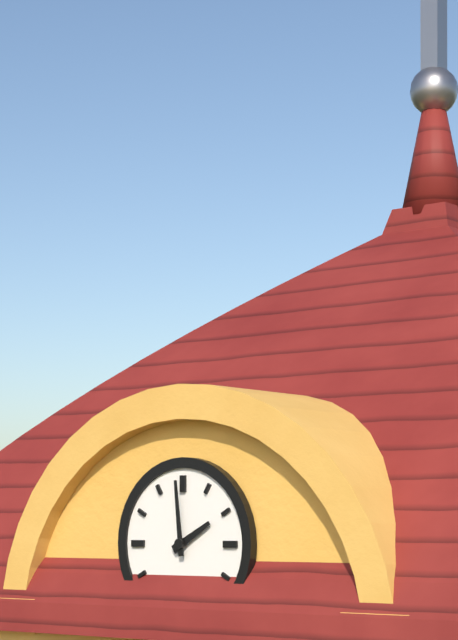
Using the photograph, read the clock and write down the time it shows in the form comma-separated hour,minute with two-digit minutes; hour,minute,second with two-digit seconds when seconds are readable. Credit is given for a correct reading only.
1,59
